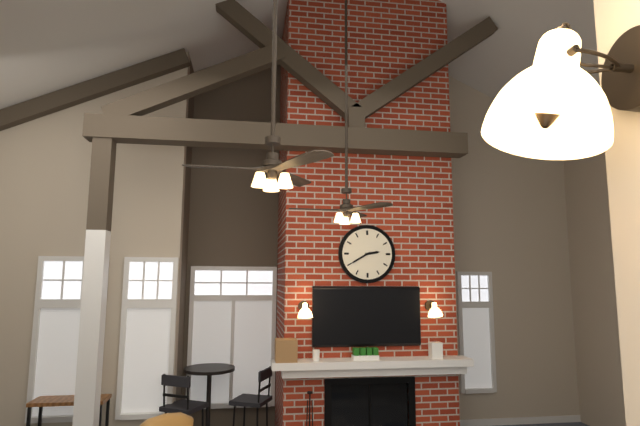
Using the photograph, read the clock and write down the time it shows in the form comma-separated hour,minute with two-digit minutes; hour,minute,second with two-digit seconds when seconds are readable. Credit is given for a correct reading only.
2,40
